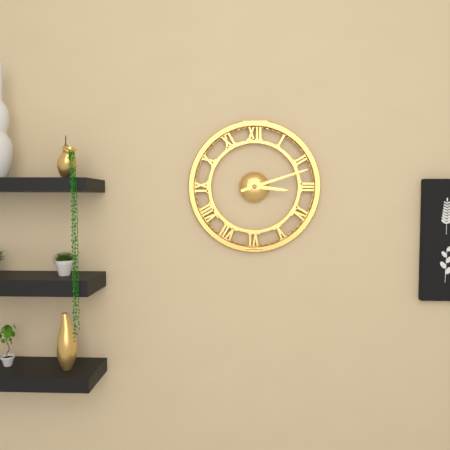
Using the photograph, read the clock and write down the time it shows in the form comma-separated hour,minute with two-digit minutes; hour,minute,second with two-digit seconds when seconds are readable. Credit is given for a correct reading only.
3,12
